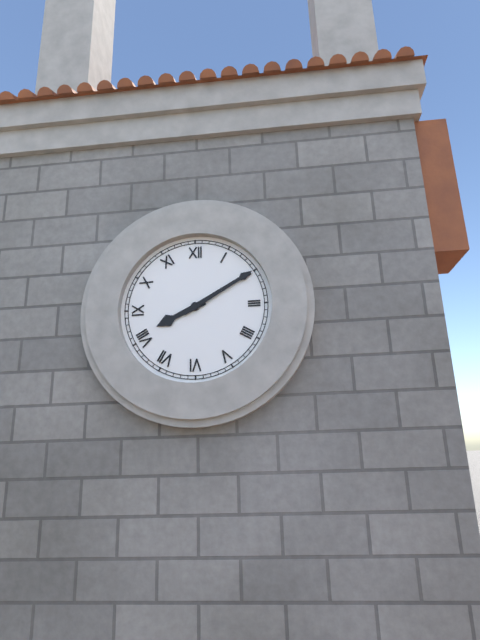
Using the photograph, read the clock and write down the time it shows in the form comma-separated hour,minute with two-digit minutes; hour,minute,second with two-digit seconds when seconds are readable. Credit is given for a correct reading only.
8,10
